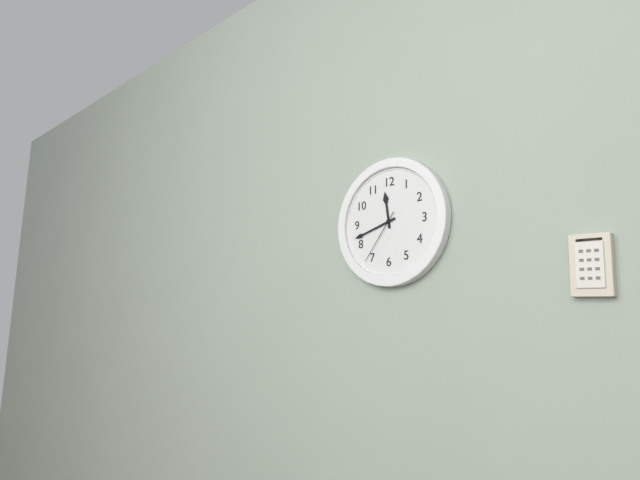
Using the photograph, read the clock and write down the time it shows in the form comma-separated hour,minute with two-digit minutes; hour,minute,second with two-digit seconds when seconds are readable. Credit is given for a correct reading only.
11,42,36
